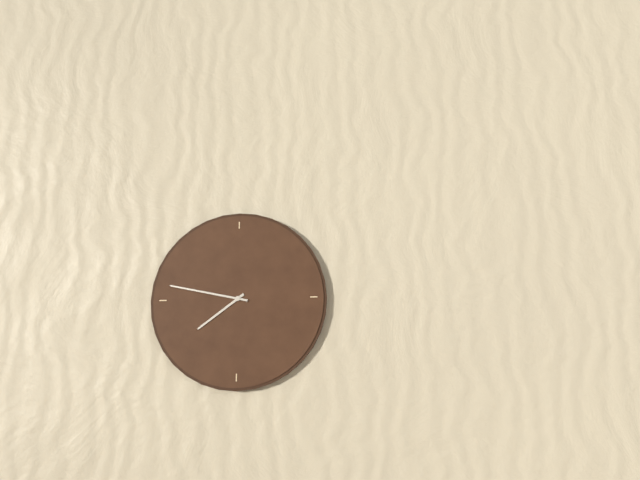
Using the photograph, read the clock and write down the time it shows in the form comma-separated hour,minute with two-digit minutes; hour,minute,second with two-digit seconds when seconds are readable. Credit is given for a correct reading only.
7,47
